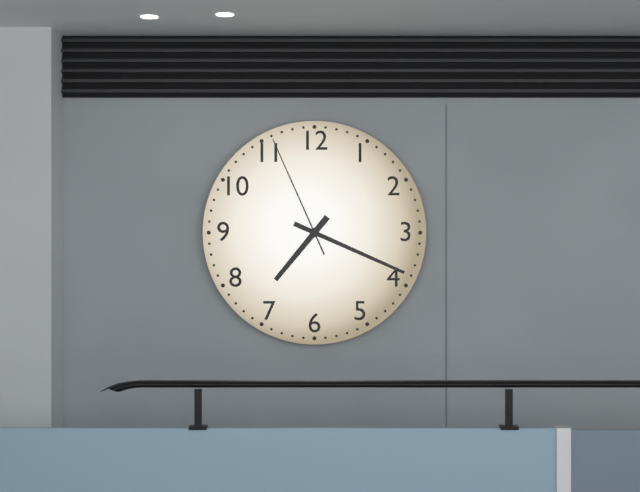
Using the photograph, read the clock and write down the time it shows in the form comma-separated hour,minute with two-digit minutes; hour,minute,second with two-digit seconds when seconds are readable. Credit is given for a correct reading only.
7,19,56
